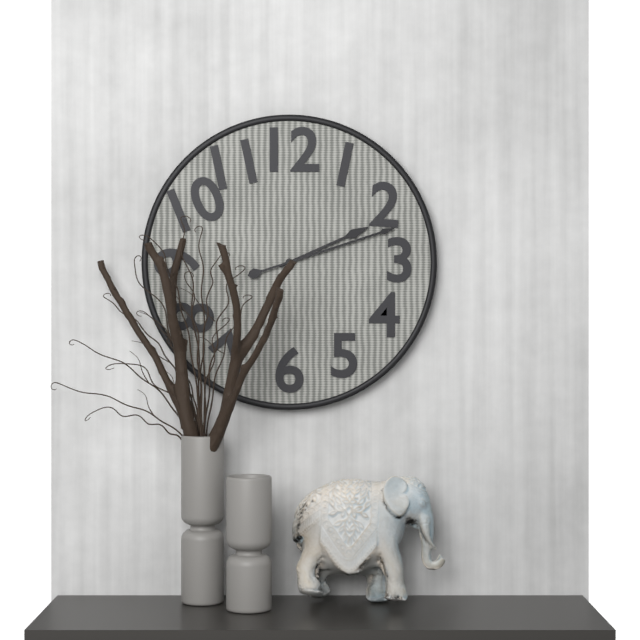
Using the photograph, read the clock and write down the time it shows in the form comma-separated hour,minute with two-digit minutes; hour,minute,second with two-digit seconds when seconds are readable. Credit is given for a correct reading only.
2,12
